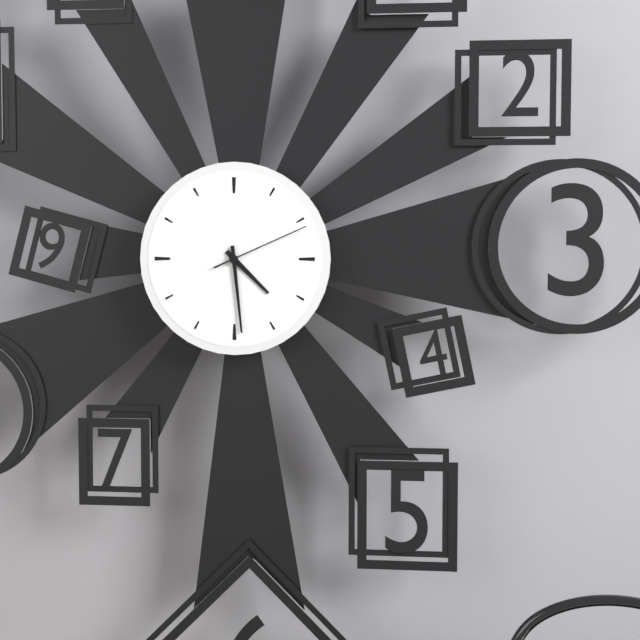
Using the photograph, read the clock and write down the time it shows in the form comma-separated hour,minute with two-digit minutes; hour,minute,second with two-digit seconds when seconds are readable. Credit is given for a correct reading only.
4,29,11
